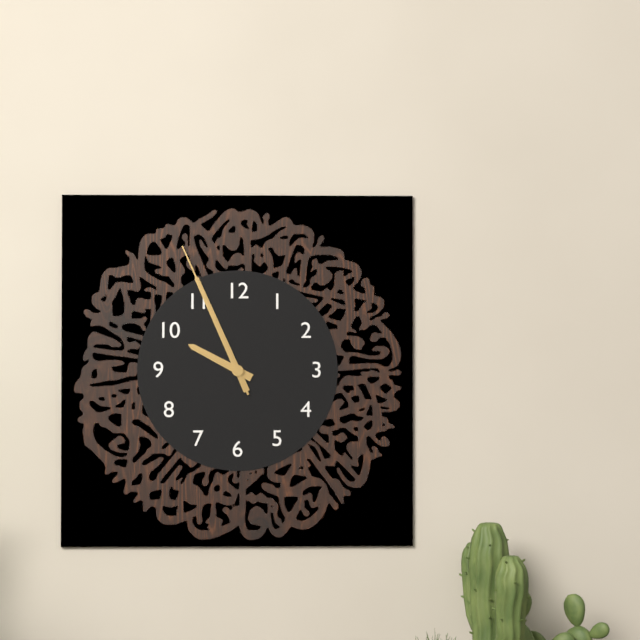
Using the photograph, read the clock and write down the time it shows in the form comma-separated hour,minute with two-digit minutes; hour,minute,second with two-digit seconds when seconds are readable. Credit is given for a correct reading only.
9,56,56
